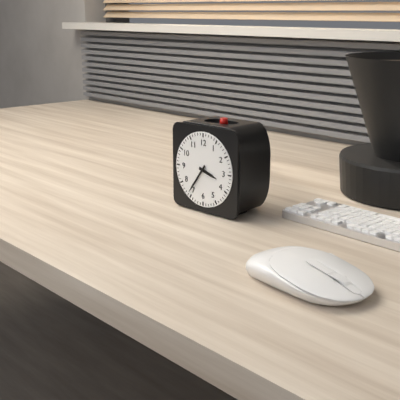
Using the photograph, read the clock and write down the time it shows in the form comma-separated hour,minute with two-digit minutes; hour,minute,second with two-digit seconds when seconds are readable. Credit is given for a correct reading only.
3,36
